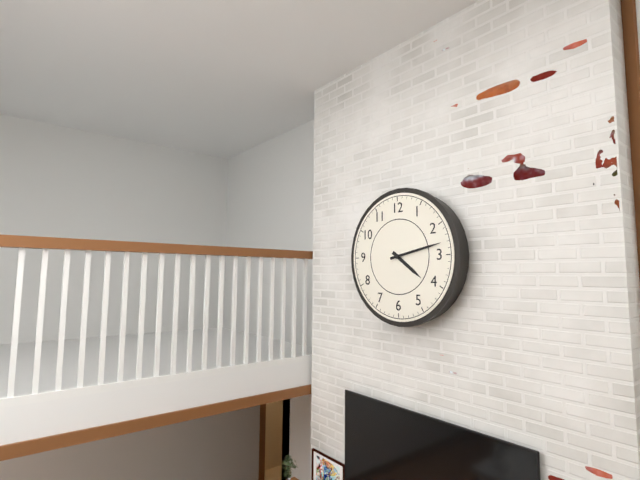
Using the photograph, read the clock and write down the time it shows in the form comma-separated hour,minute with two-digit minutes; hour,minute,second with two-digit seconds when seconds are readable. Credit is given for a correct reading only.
4,13
